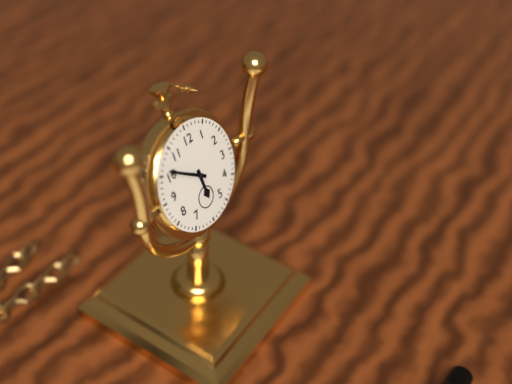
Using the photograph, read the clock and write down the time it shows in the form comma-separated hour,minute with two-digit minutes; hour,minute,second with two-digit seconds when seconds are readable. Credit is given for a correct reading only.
5,51
